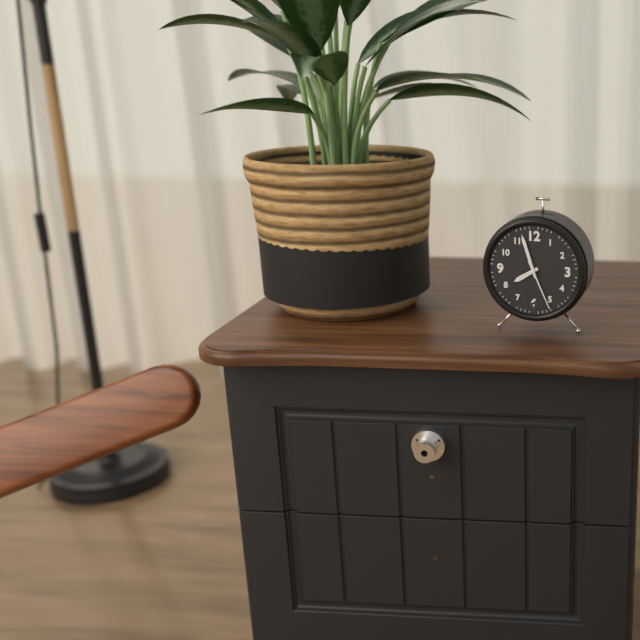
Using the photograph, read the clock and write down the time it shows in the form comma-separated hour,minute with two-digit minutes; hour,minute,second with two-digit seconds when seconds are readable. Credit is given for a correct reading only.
7,57,26
